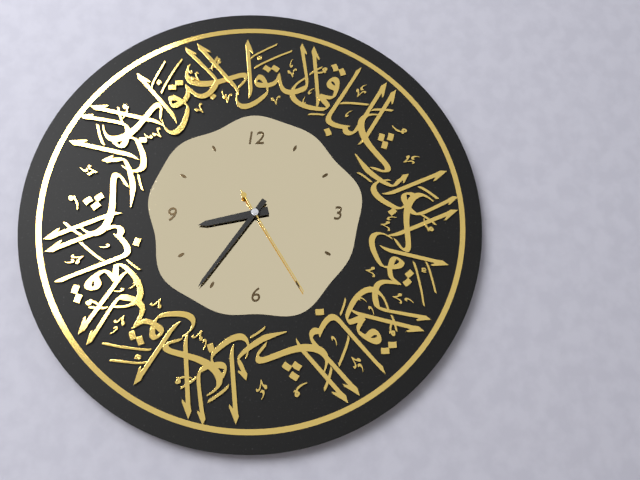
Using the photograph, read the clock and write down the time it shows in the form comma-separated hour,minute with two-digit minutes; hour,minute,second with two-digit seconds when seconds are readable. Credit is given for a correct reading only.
8,36,25
